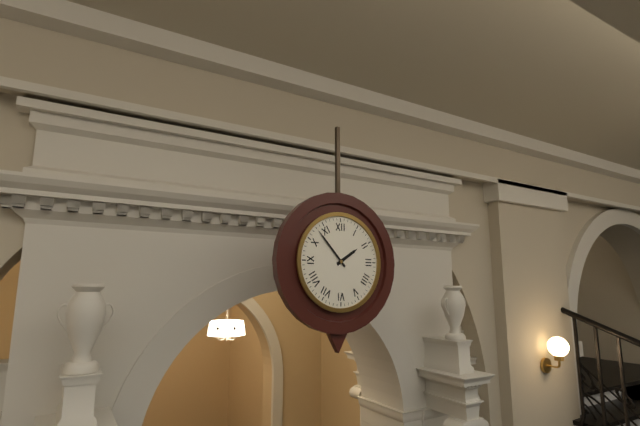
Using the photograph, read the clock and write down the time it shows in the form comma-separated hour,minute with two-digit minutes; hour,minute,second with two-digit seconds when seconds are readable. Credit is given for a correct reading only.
1,53
